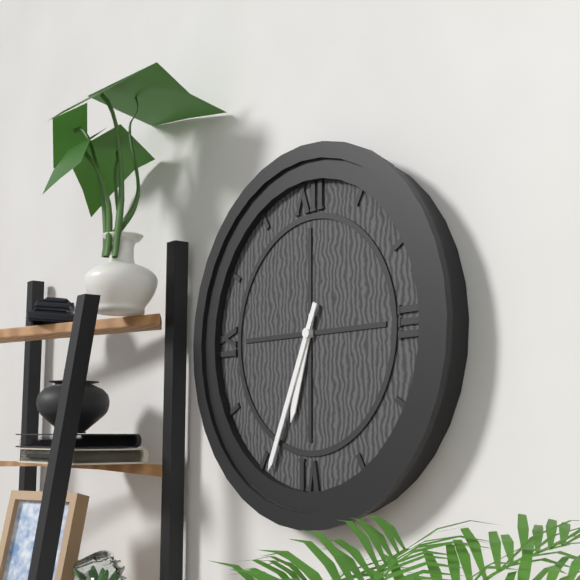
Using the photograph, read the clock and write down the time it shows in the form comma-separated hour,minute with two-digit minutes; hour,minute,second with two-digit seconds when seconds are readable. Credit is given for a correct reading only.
6,34
